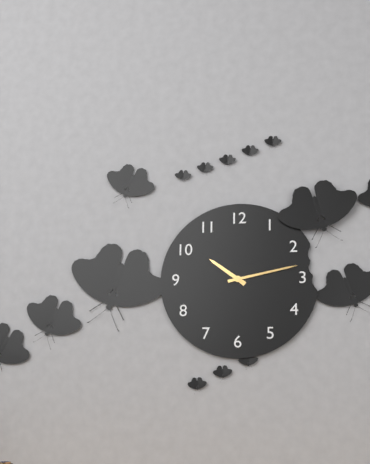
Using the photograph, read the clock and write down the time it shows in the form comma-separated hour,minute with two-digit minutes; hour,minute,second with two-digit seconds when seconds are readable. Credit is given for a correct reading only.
10,13
